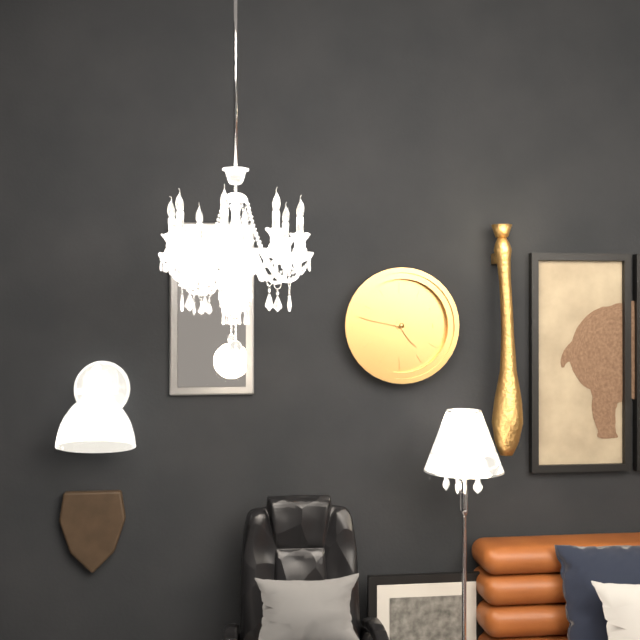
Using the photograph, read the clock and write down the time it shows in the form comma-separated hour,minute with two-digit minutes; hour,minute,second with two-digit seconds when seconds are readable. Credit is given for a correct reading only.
4,47
